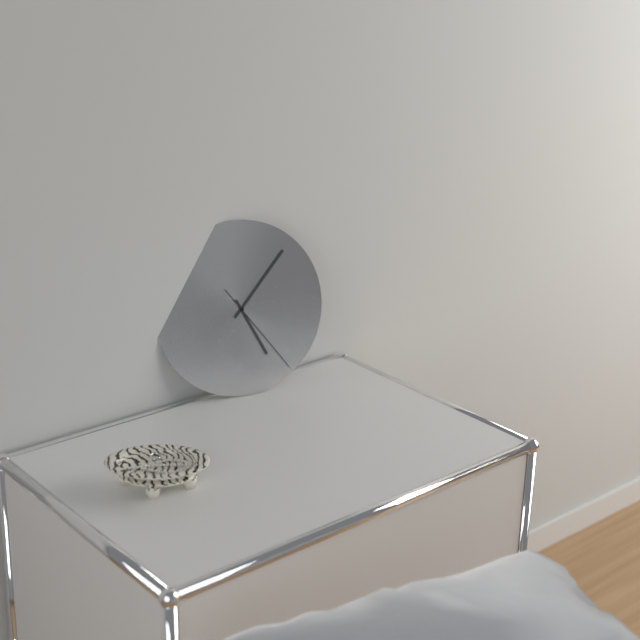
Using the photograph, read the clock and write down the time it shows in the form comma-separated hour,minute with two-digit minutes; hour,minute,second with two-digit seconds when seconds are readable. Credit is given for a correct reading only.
5,07,24
